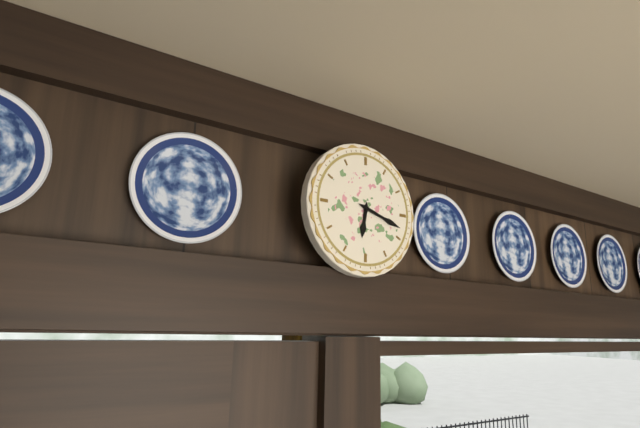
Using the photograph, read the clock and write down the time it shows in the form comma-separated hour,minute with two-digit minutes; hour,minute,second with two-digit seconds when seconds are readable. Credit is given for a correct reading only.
6,18
